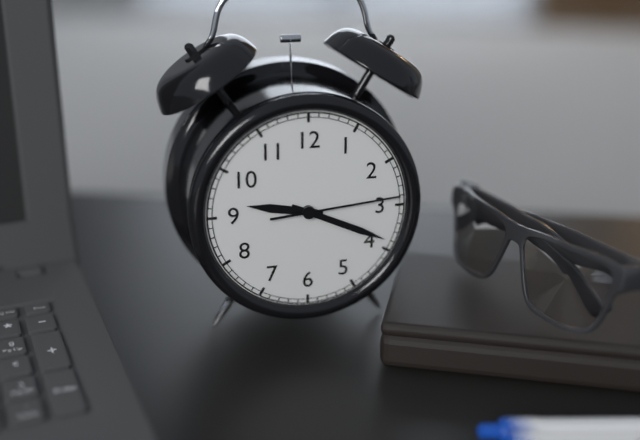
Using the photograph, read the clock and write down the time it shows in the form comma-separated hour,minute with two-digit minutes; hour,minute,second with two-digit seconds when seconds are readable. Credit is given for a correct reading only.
9,19,14
